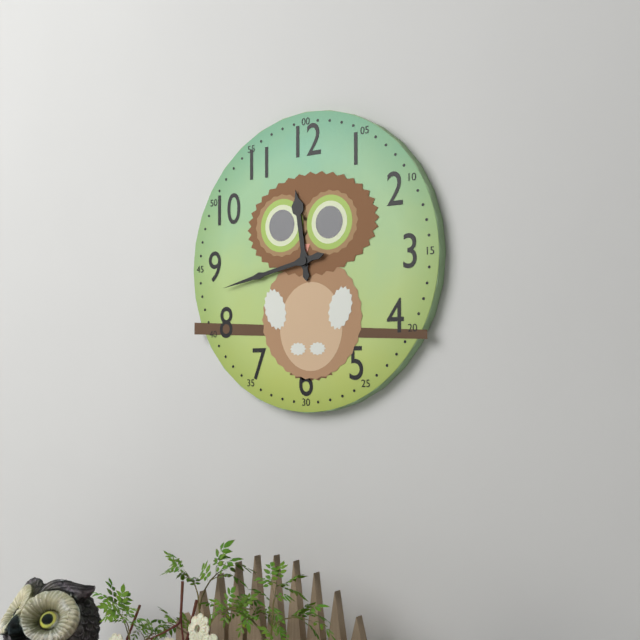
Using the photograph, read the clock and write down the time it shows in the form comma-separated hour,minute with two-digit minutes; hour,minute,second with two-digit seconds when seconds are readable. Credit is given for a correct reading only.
11,43
